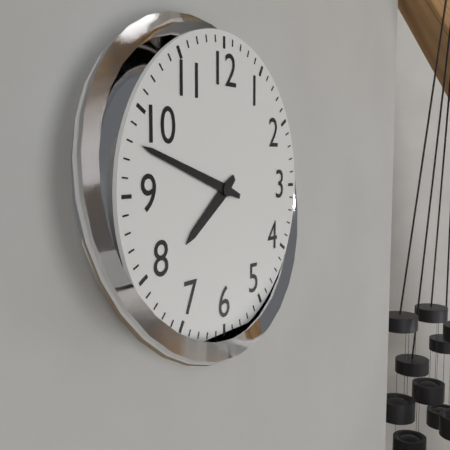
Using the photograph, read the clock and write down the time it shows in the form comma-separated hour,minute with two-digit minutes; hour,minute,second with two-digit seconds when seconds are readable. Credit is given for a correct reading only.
7,48
